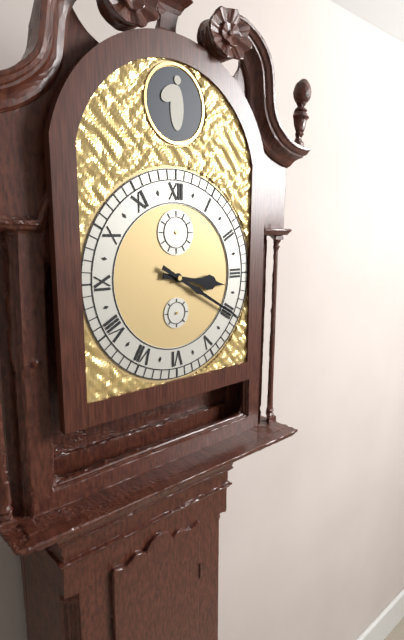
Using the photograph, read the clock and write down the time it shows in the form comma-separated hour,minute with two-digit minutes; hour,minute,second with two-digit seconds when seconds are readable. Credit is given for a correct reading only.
3,20
